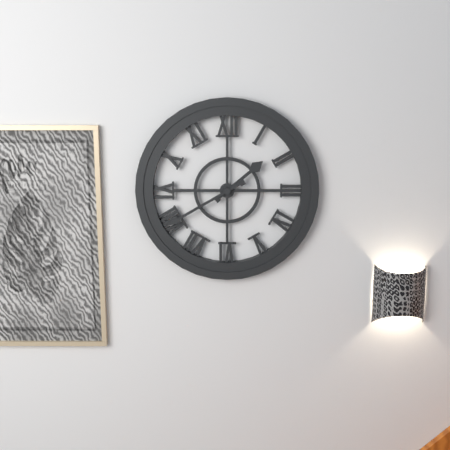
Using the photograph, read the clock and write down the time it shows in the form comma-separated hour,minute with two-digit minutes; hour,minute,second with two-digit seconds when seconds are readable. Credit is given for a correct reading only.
1,40
